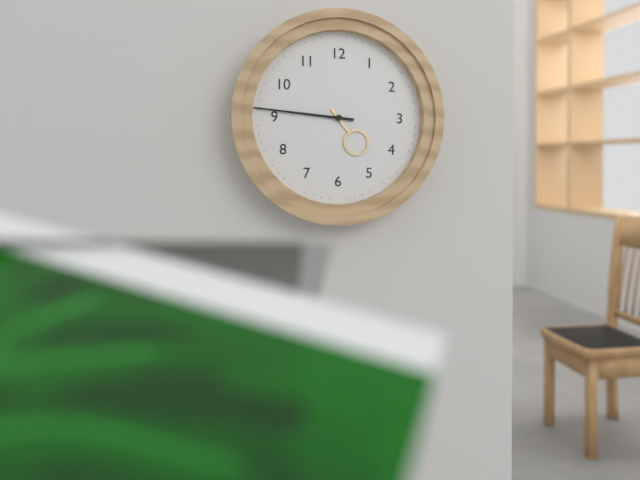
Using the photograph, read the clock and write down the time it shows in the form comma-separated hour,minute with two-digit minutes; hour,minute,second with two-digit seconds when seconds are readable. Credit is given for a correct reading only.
4,46
